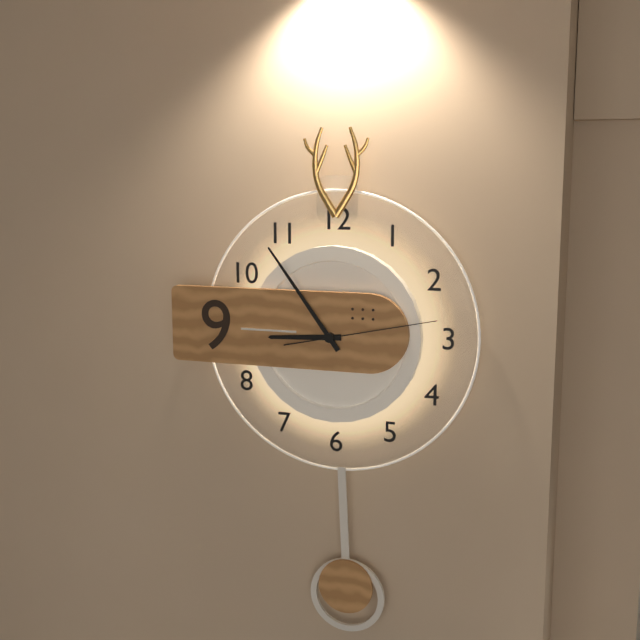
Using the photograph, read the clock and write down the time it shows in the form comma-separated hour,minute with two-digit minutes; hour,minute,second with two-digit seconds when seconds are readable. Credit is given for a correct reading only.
8,54,13
